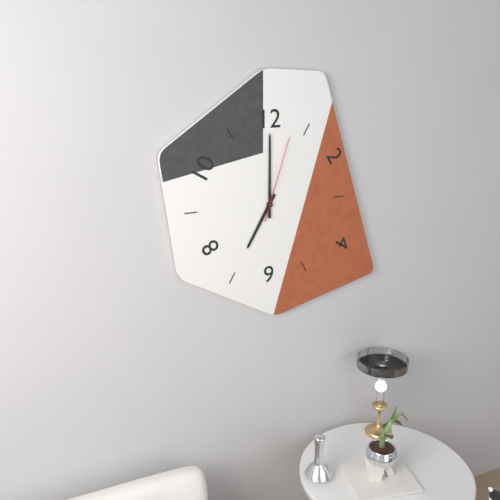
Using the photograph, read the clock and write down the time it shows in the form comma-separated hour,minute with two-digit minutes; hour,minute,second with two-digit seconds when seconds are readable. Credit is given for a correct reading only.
7,00,03
